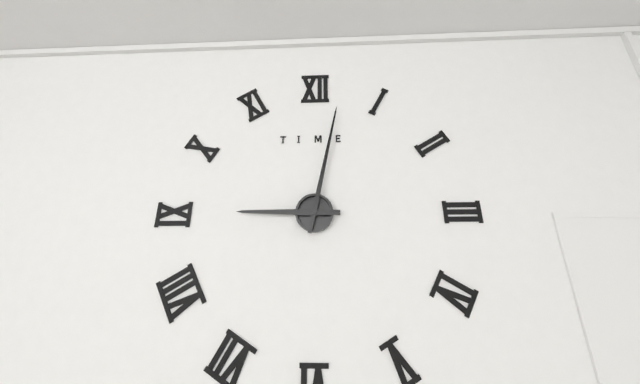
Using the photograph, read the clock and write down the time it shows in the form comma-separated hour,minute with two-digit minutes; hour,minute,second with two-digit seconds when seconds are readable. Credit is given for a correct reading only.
9,02
